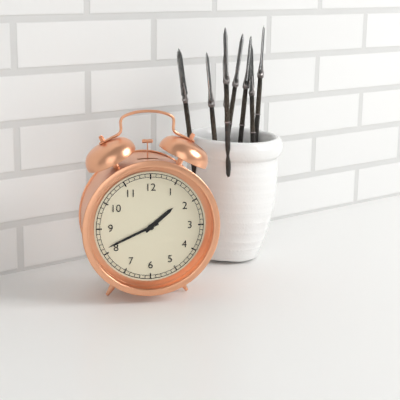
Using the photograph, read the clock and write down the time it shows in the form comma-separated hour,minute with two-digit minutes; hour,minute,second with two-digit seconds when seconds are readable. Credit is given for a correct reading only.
1,41
